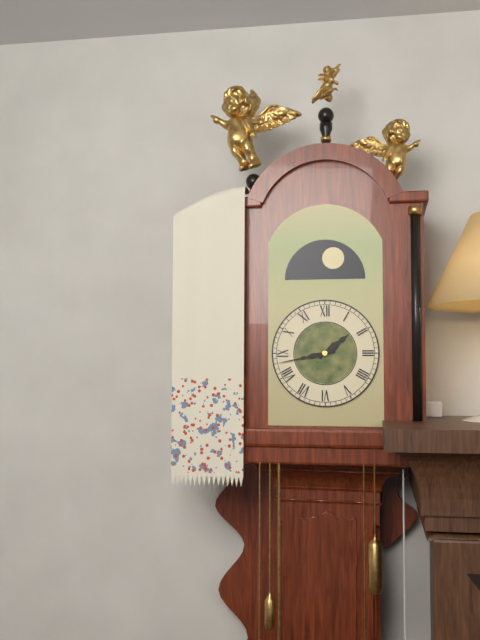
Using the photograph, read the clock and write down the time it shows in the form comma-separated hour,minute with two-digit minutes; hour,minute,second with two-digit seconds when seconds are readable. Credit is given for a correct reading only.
1,43
